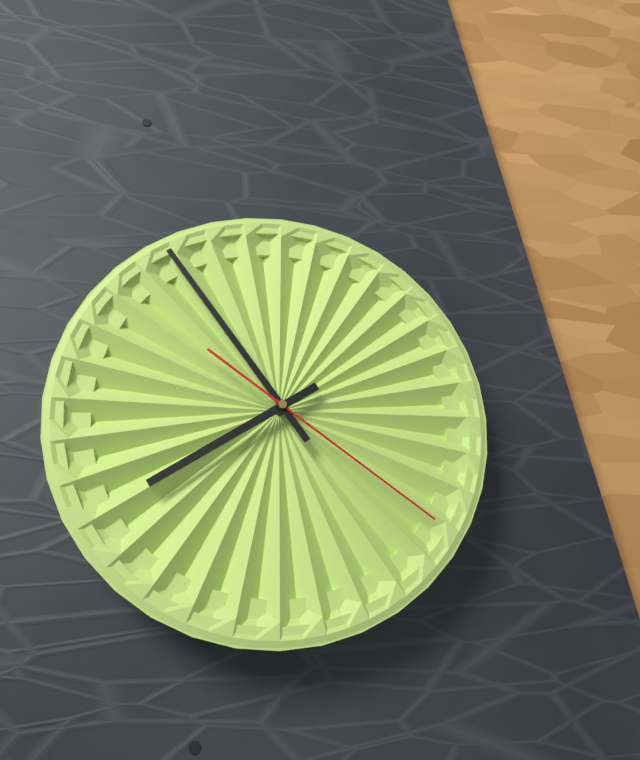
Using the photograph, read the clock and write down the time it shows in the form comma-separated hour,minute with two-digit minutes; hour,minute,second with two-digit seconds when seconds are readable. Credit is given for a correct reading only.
7,54,21
